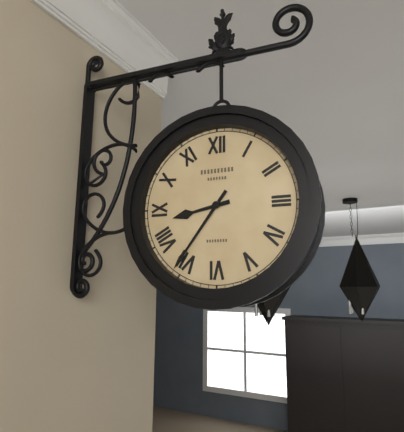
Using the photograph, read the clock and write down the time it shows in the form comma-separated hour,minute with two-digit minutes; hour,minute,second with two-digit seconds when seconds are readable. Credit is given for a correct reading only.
8,36
